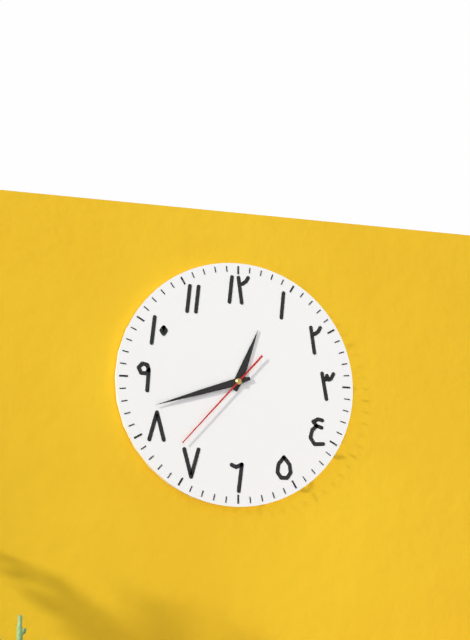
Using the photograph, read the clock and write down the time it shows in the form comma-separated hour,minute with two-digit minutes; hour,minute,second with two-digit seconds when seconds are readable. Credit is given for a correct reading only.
12,42,37
